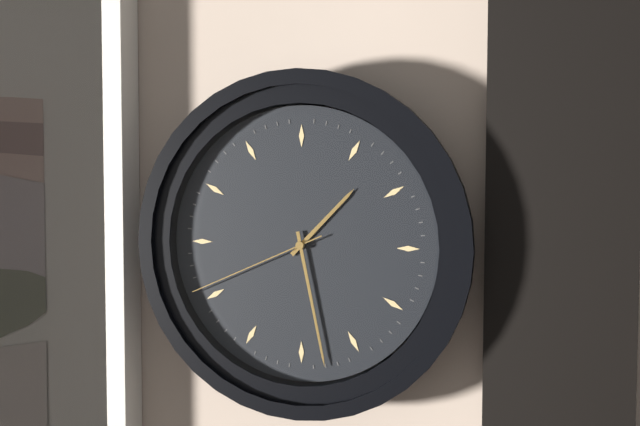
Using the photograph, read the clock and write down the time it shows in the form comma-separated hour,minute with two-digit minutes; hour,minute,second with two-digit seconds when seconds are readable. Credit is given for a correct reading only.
1,28,41
